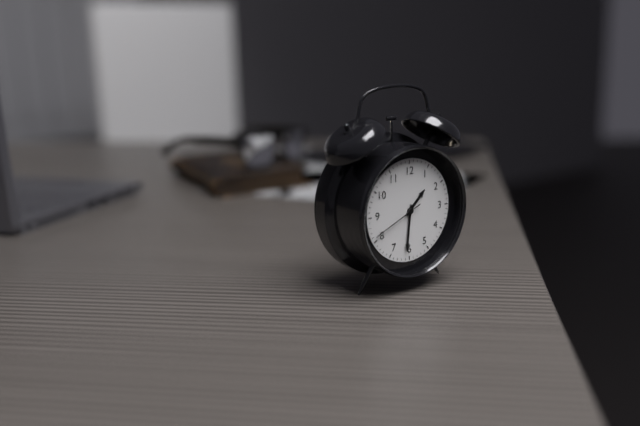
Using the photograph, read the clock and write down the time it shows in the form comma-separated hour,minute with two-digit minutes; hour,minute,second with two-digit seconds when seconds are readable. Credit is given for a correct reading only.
1,31,41
